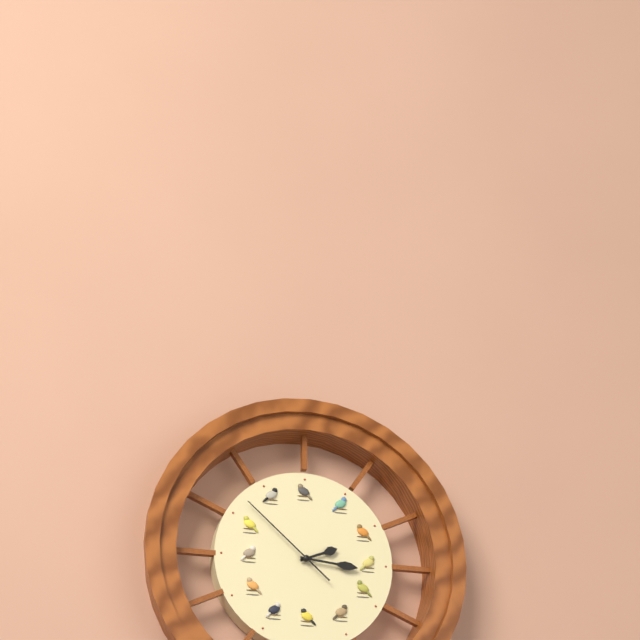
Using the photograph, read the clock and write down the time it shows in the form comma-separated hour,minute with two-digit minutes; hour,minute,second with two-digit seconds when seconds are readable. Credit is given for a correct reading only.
2,16,52
